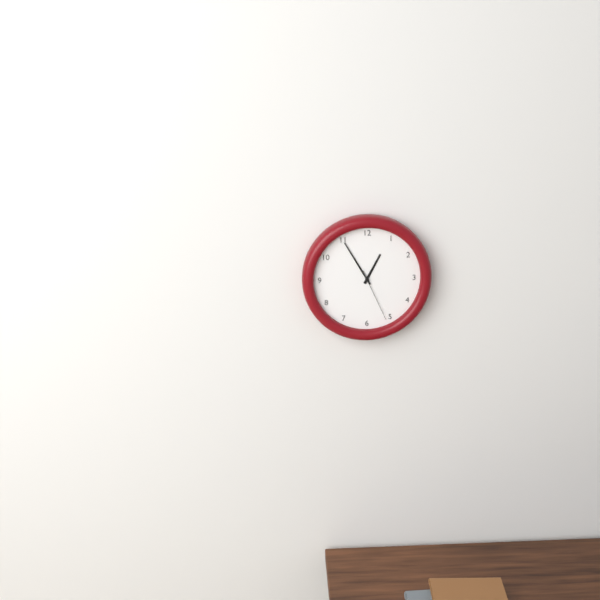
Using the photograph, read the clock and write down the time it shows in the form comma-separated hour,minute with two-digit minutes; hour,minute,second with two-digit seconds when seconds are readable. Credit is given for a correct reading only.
12,55,26
